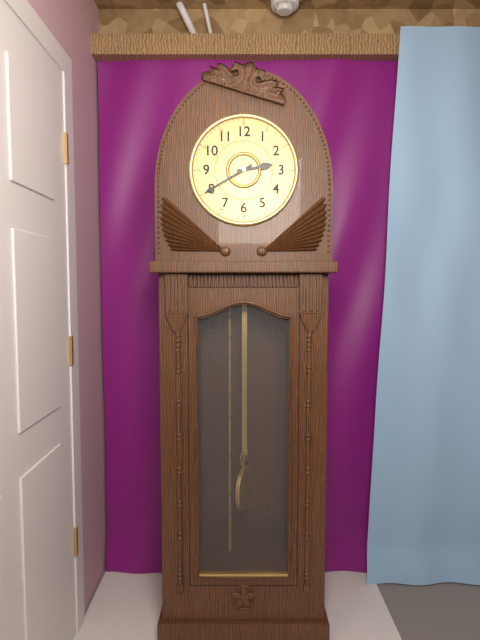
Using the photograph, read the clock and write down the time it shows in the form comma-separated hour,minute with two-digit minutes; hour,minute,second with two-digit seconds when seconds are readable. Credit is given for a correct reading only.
2,40
